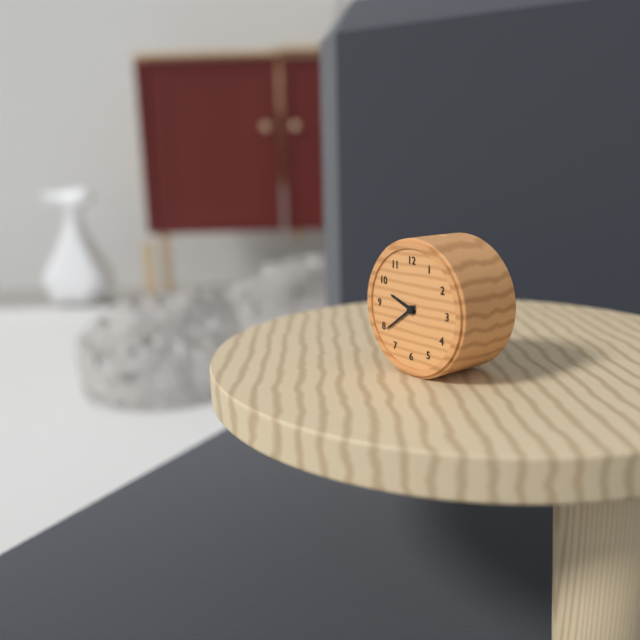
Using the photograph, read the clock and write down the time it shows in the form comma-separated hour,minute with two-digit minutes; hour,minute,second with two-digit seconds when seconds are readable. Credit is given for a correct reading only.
9,39
